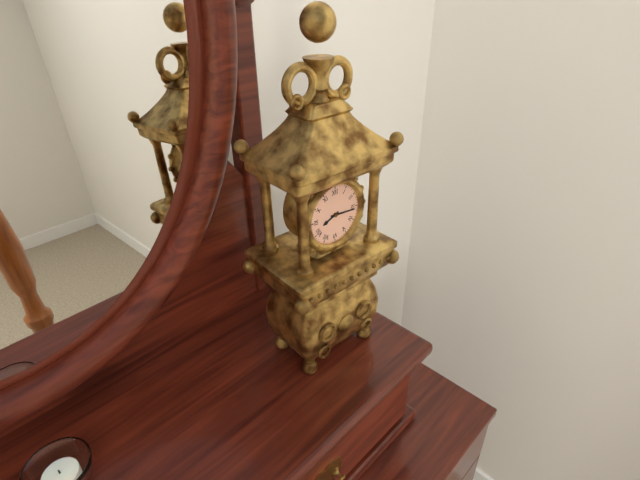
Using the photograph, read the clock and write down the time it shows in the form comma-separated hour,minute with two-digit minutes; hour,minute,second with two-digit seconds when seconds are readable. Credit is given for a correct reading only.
8,16
